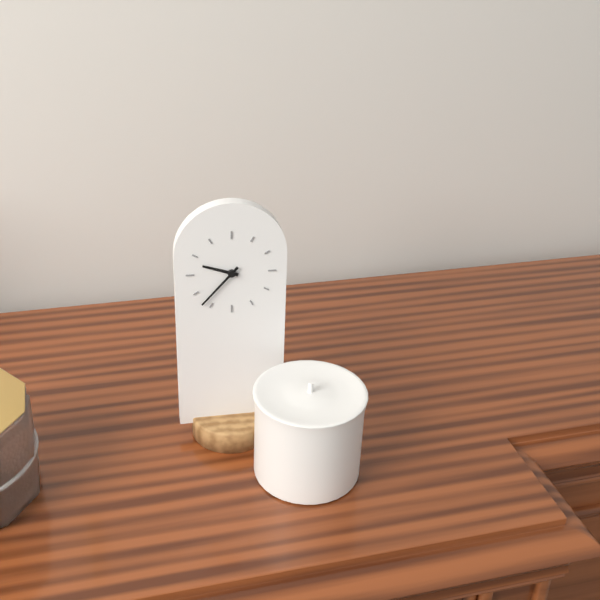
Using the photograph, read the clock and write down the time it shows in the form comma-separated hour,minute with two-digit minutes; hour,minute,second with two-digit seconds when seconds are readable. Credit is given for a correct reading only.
9,37
